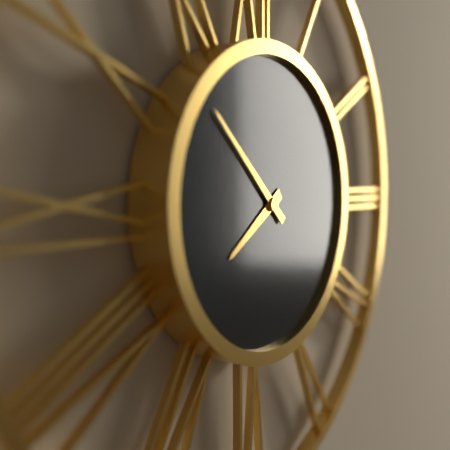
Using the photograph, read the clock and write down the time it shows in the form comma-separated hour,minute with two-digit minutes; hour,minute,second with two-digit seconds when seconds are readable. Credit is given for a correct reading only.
7,52
